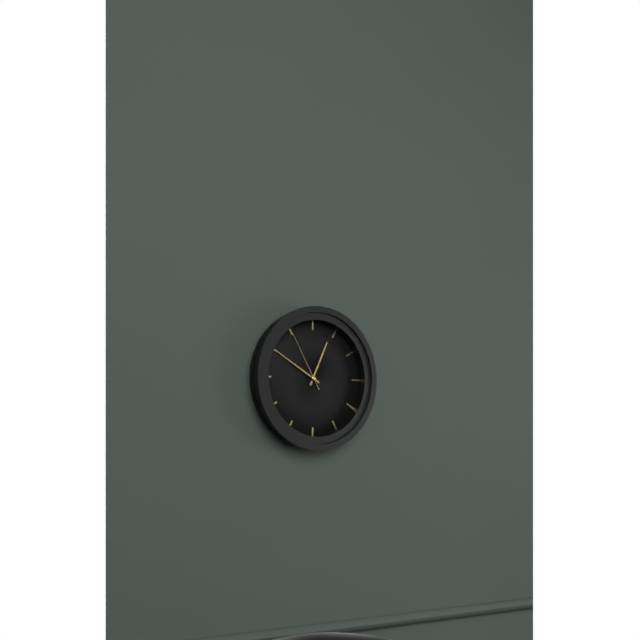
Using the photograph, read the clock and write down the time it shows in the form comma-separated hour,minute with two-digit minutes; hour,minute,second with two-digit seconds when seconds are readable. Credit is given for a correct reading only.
12,50,55
